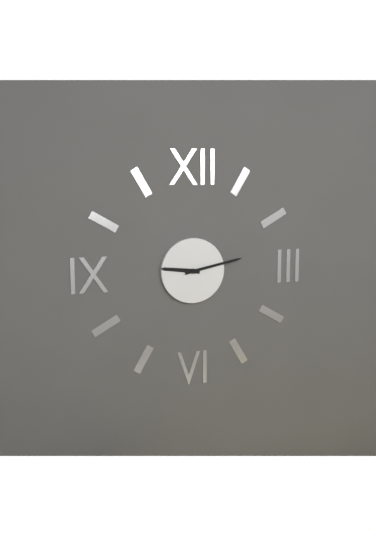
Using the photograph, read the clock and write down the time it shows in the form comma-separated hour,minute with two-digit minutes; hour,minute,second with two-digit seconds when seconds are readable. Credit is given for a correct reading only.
9,13
